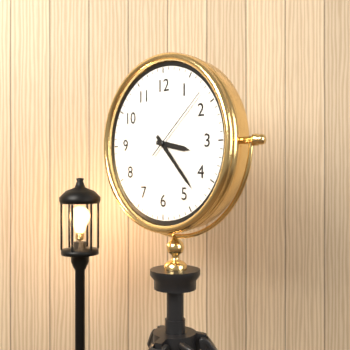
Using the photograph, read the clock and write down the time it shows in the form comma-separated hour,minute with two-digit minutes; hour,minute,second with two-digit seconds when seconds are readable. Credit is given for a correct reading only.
3,23,08
